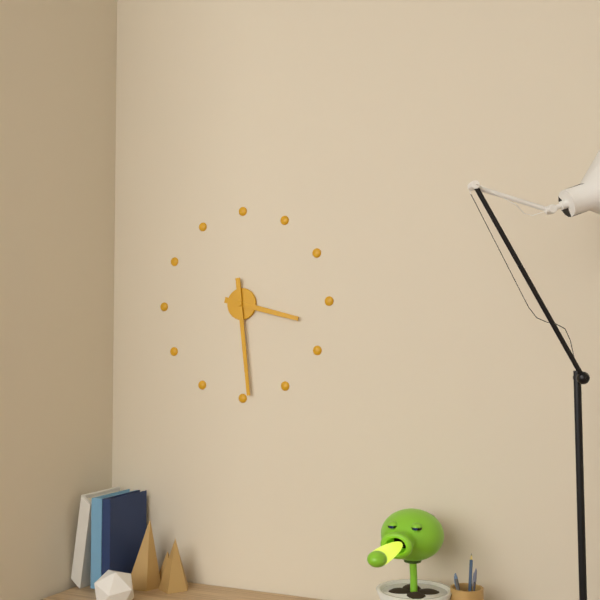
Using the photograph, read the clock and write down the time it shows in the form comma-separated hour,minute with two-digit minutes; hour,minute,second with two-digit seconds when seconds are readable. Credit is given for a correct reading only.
3,29
